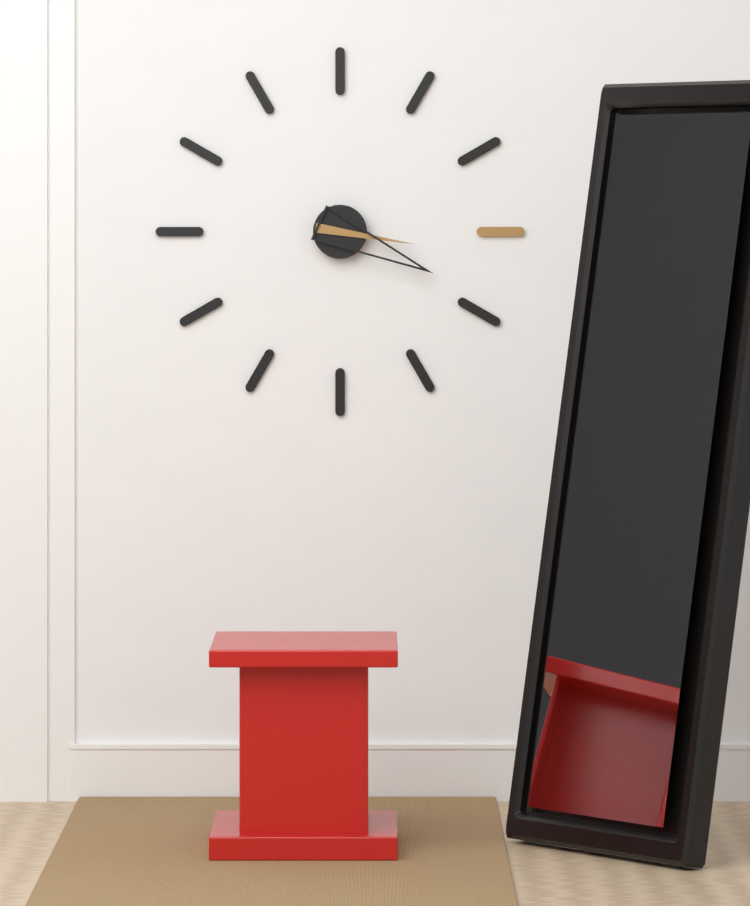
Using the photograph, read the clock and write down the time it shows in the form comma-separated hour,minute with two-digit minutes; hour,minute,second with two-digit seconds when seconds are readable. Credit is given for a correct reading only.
3,19
